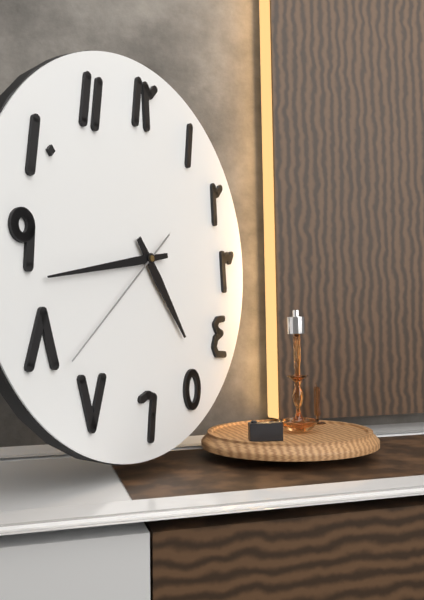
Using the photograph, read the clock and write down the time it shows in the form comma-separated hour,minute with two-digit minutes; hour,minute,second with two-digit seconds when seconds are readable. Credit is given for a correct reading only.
4,43,38
